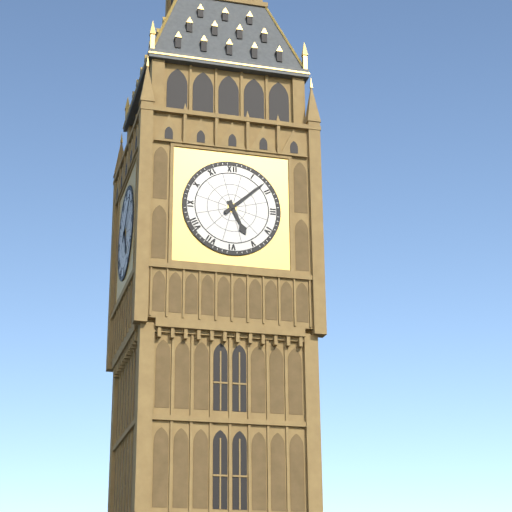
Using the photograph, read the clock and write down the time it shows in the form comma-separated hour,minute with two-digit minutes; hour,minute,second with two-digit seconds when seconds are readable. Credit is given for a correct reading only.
5,08
